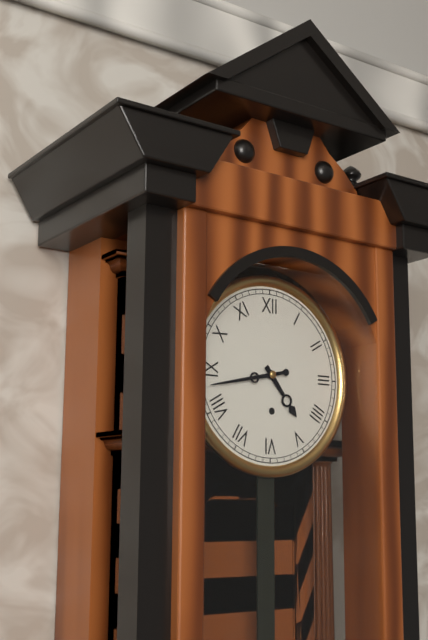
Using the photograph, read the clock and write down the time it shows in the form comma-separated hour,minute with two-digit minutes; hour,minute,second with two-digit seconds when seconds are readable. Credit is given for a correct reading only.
4,43
